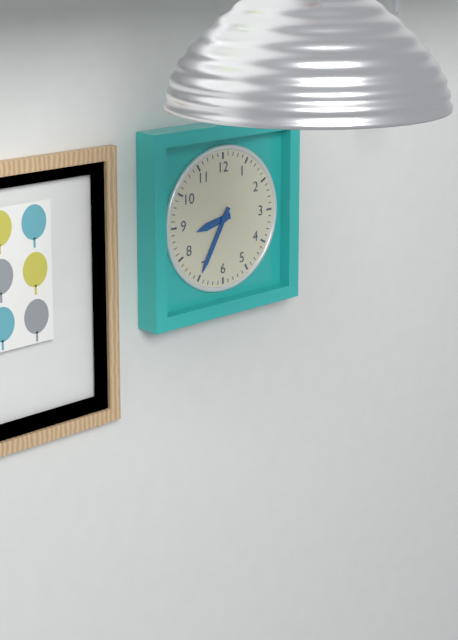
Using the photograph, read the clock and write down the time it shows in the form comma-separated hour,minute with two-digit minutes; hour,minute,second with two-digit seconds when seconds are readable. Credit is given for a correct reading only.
8,35
